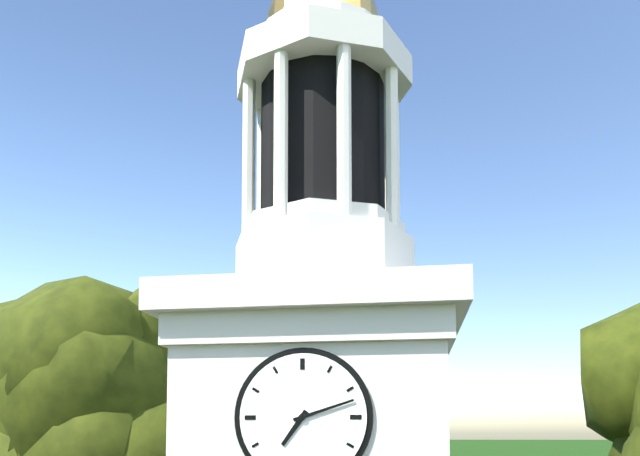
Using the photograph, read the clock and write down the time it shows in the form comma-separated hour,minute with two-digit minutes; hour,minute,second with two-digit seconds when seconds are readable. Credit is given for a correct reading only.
7,12
